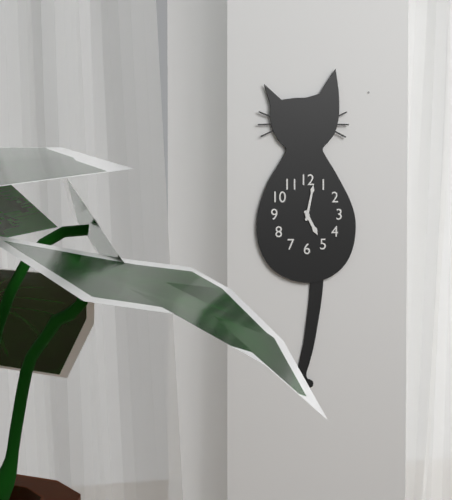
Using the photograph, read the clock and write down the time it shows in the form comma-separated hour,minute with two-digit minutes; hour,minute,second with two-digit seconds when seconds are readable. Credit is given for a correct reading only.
5,02
